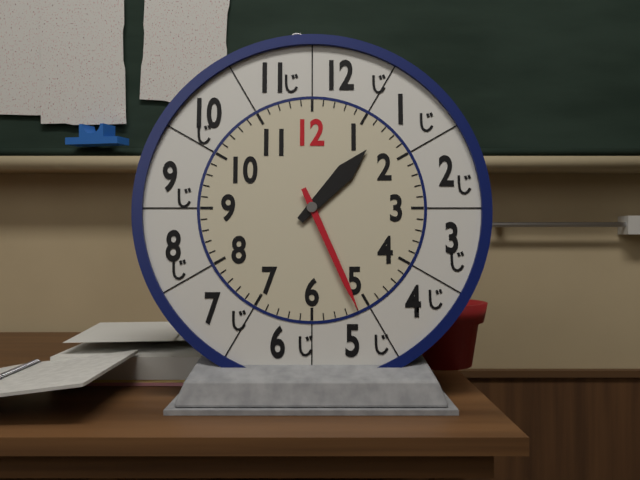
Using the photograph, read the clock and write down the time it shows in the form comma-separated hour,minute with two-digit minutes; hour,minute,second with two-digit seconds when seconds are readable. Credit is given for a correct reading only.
1,26
